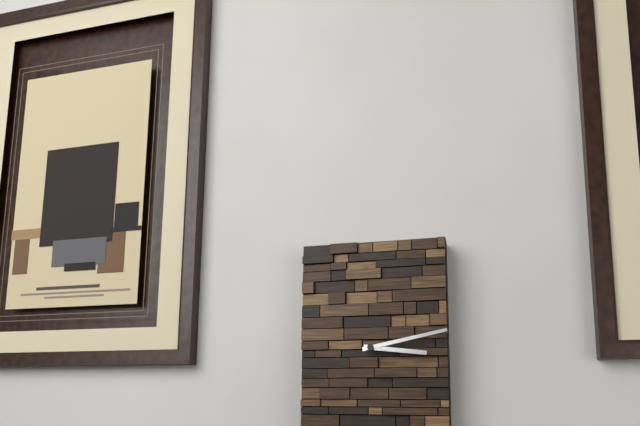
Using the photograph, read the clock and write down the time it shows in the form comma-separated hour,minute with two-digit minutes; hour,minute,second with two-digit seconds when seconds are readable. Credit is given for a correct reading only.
3,13
